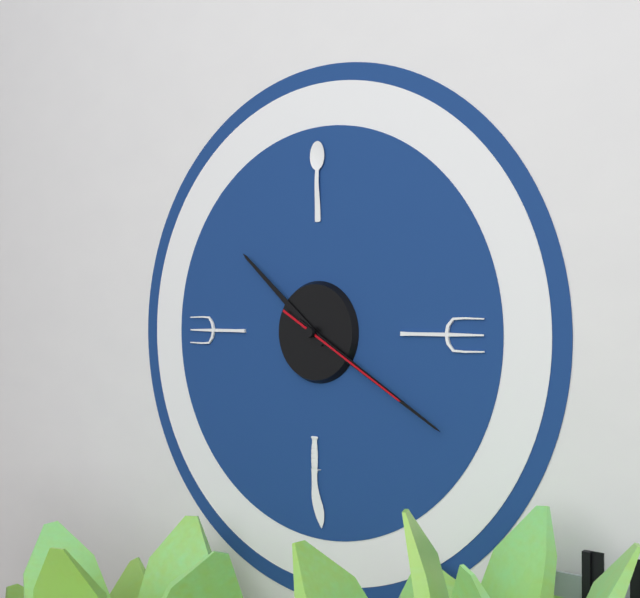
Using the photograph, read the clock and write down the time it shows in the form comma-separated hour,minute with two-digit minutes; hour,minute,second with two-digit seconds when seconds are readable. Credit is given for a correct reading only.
10,20,20
